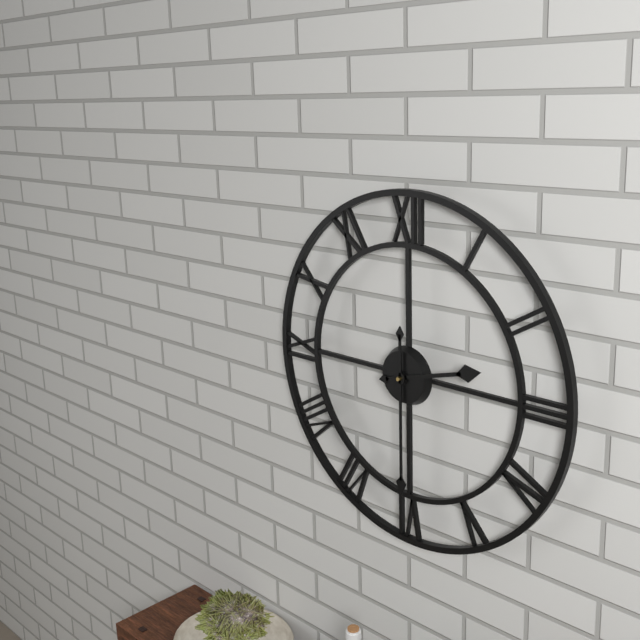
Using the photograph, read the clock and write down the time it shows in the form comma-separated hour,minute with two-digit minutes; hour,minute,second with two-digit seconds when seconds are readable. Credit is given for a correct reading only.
2,30
